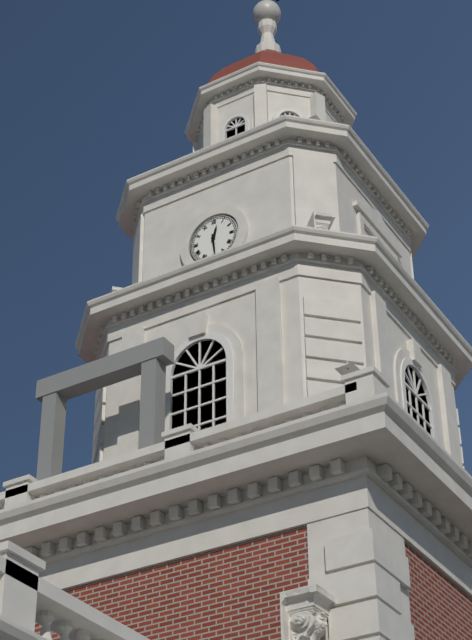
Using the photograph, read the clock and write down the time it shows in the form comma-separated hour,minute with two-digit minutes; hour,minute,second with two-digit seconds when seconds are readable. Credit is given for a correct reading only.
12,29
